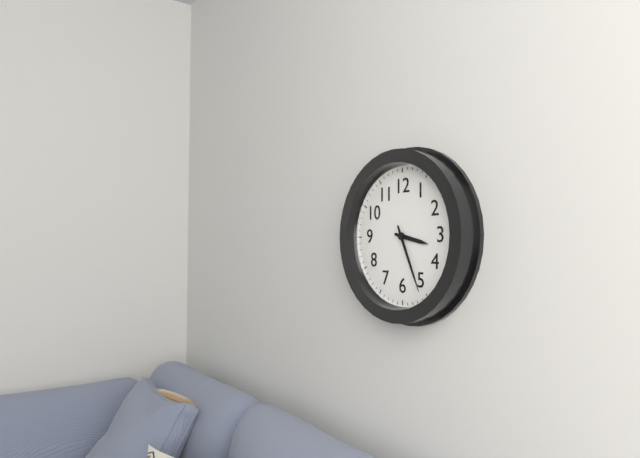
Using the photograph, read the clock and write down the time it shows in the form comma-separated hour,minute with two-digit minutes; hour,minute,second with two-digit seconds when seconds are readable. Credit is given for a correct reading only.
3,26
